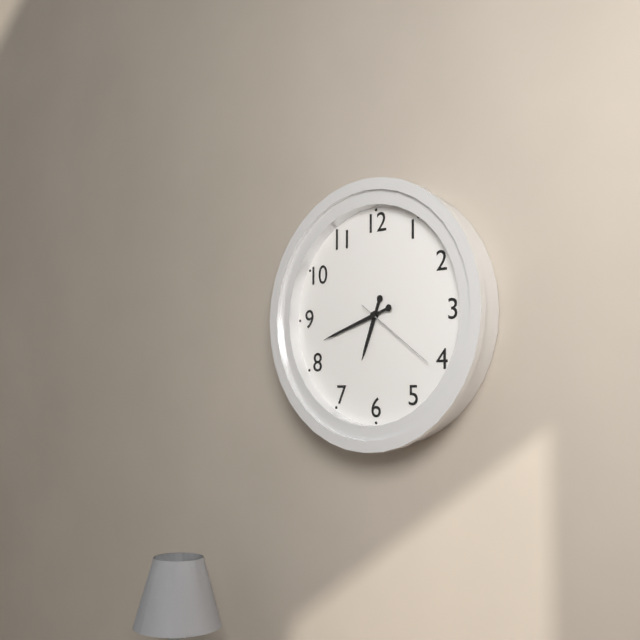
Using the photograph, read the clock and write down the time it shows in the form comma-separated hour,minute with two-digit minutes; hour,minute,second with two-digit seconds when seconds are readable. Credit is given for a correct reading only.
6,42,21
